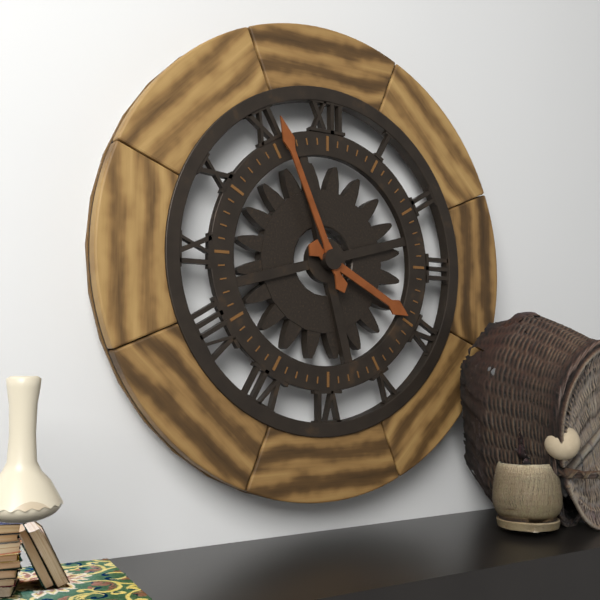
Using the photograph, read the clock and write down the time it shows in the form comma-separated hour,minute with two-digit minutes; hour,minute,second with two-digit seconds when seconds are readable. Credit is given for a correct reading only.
3,56
